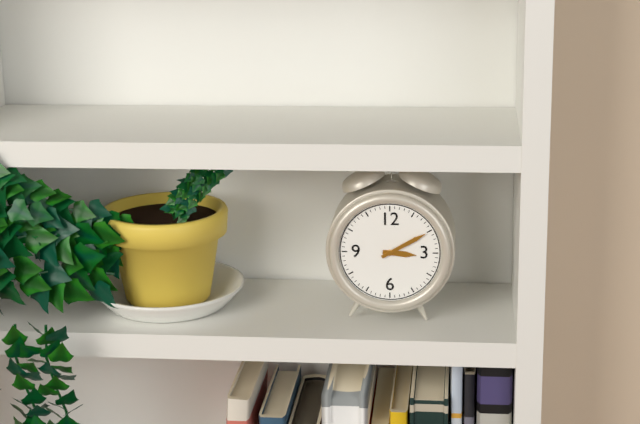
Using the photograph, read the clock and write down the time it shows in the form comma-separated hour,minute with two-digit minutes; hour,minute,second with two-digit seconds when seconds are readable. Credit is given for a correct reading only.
3,10
